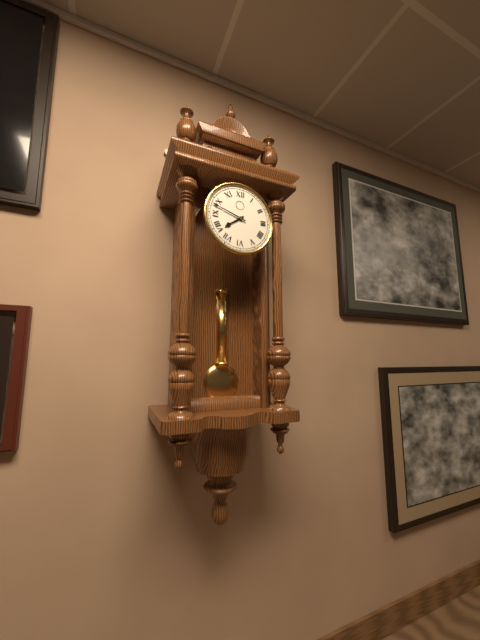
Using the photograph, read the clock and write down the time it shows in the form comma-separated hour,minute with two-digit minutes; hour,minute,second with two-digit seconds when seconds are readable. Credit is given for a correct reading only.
7,48
